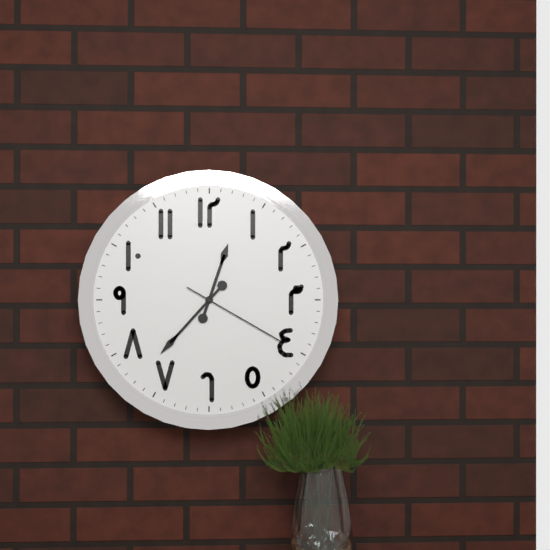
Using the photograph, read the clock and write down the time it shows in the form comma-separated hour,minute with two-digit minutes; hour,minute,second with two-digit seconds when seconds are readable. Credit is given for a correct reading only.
12,37,20
